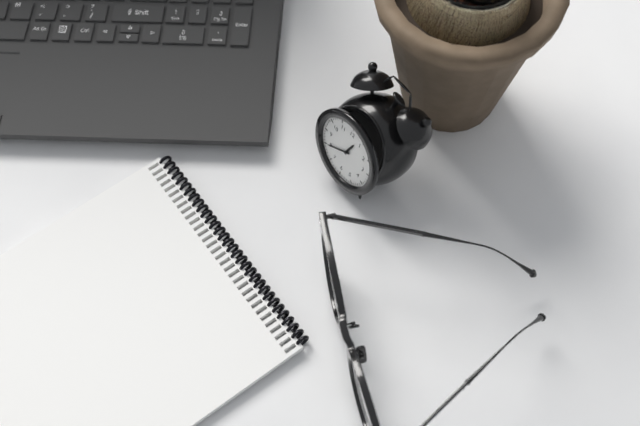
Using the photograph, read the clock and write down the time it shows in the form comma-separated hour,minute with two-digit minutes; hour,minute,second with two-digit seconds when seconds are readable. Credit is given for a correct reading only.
12,40
